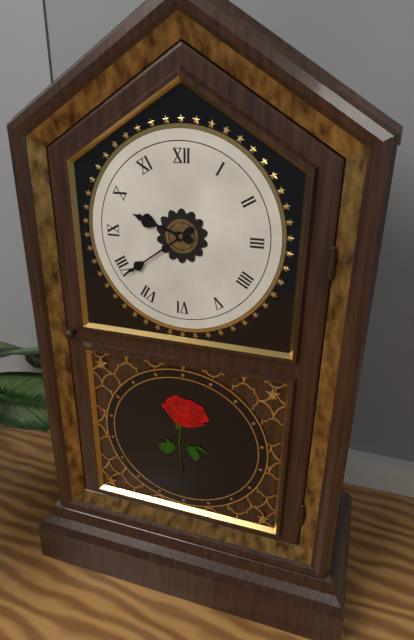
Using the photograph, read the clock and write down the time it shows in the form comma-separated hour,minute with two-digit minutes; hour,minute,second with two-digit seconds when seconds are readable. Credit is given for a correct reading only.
9,39
